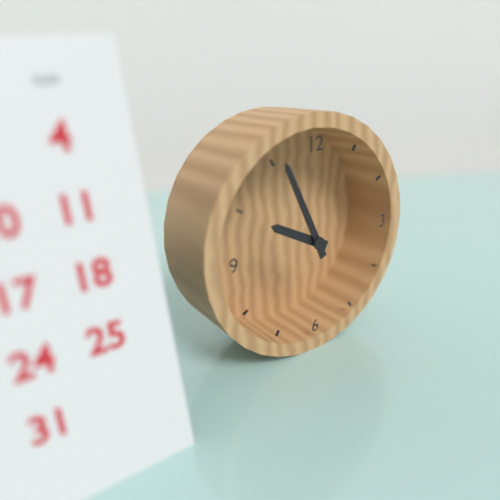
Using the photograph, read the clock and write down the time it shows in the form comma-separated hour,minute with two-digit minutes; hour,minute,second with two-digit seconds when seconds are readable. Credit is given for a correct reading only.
9,56
